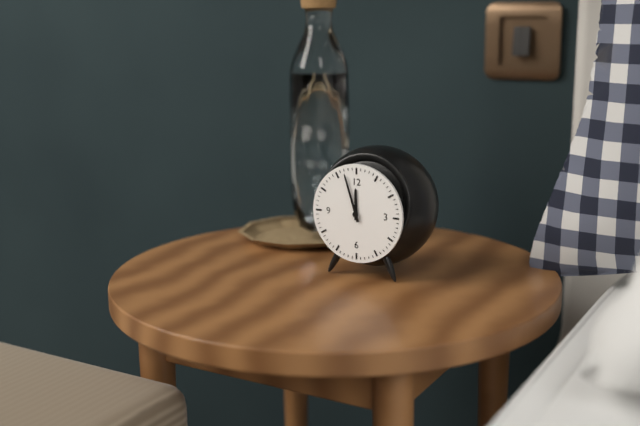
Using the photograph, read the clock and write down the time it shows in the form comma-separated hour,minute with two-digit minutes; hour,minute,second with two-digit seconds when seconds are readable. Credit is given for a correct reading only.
11,57
